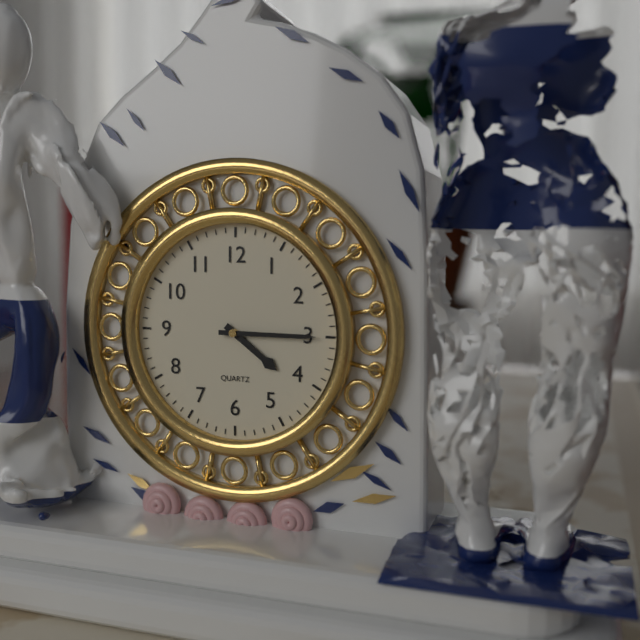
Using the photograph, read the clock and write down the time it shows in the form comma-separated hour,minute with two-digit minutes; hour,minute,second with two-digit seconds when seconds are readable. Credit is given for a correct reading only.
4,15
